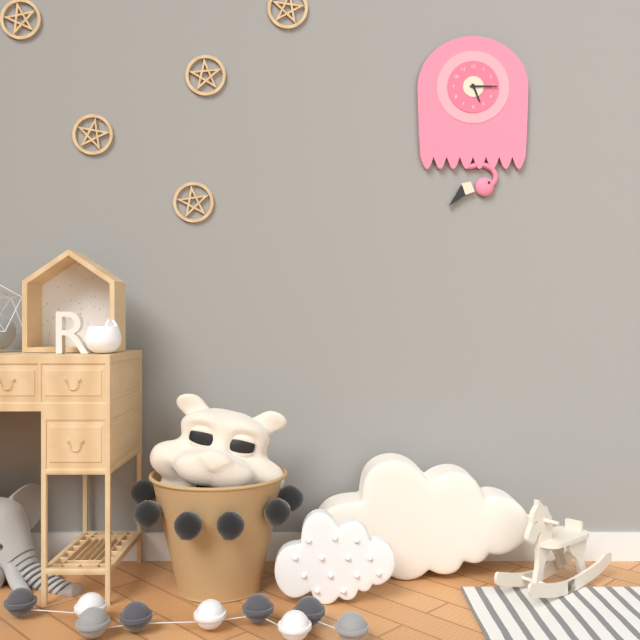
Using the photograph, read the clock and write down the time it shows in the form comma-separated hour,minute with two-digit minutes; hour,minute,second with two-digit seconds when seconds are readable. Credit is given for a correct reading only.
5,15
